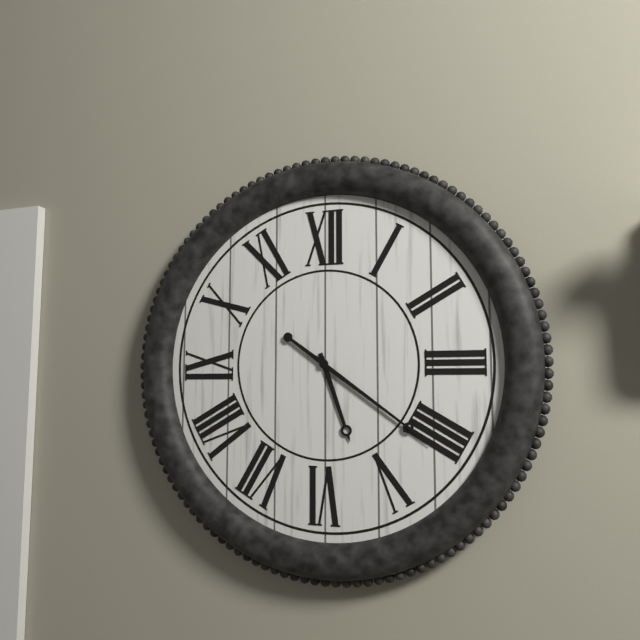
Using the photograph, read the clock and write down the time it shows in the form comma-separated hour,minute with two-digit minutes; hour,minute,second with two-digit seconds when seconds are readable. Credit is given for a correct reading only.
5,21
